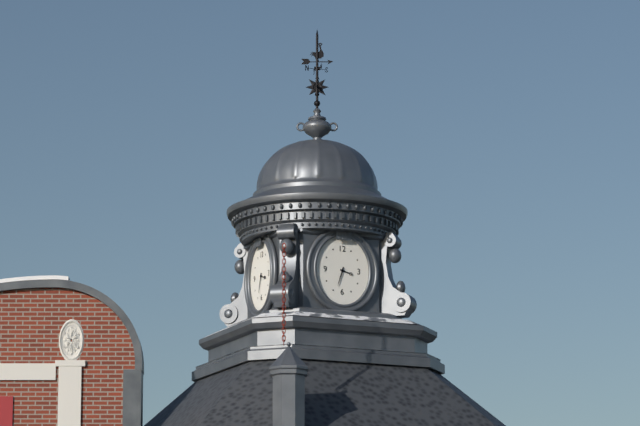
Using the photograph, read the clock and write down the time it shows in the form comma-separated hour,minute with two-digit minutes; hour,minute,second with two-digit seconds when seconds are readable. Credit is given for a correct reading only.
3,33
